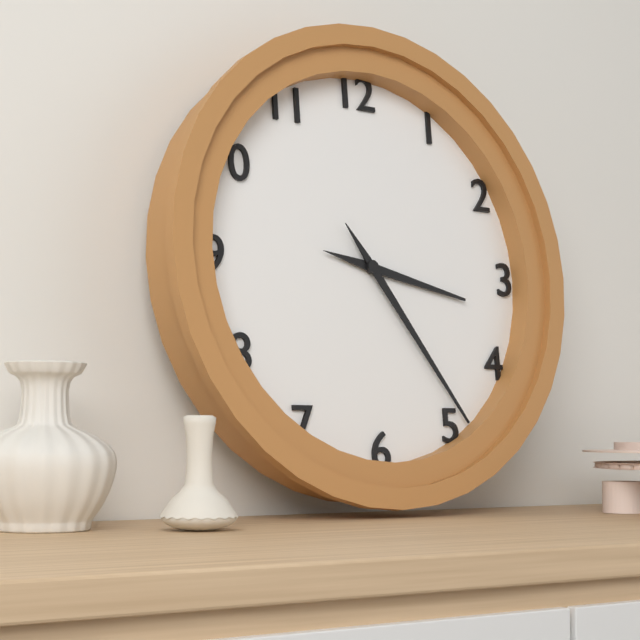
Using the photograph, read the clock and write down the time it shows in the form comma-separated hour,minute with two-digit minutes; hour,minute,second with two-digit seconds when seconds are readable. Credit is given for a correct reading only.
3,24
